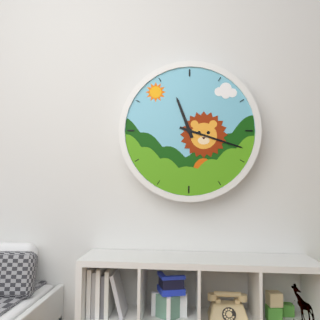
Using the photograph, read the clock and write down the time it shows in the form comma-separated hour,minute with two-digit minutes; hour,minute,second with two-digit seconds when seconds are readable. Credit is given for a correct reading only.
11,18
